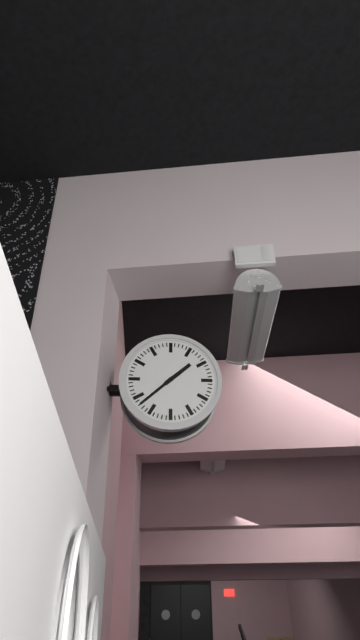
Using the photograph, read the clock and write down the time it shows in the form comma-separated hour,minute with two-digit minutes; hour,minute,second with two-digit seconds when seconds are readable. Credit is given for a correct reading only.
1,38
